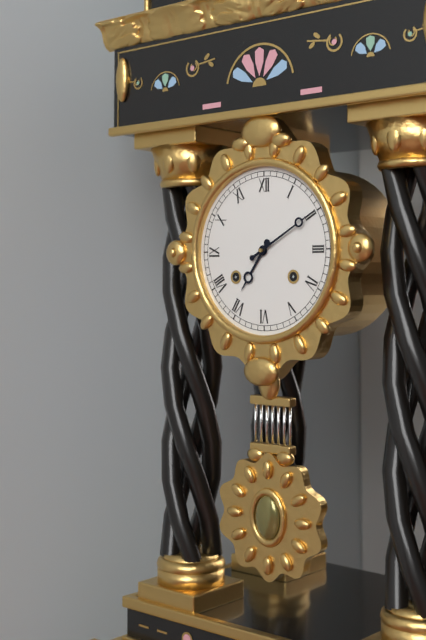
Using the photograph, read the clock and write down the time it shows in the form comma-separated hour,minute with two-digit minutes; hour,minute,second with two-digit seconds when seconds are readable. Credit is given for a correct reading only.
7,10
